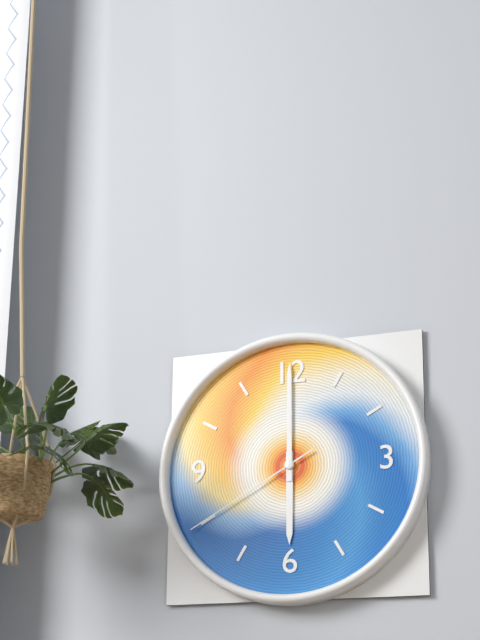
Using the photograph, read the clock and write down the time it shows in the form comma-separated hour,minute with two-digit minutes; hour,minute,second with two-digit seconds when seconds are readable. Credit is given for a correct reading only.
6,00,40
